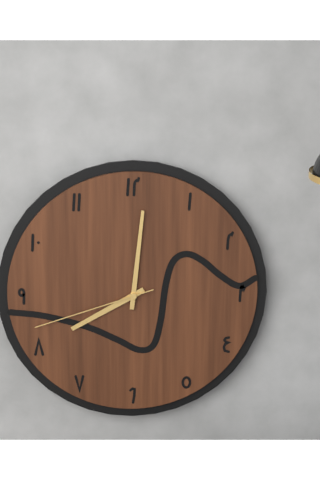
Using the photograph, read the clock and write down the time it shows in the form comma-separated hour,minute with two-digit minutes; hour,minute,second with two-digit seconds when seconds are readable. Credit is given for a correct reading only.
8,01,42
